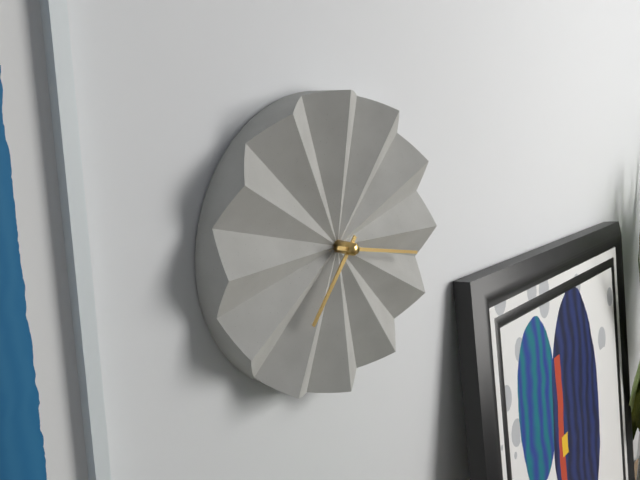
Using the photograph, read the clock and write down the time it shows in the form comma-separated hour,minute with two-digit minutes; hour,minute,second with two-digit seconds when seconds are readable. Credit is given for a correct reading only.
7,17
